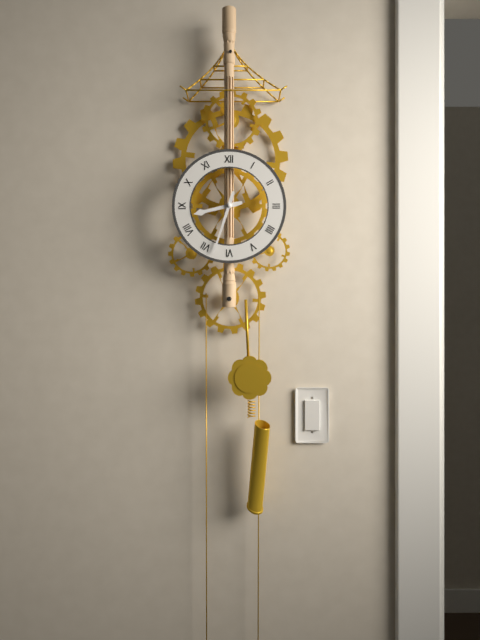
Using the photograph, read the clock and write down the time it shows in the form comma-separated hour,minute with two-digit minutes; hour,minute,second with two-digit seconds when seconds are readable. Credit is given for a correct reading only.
8,33
